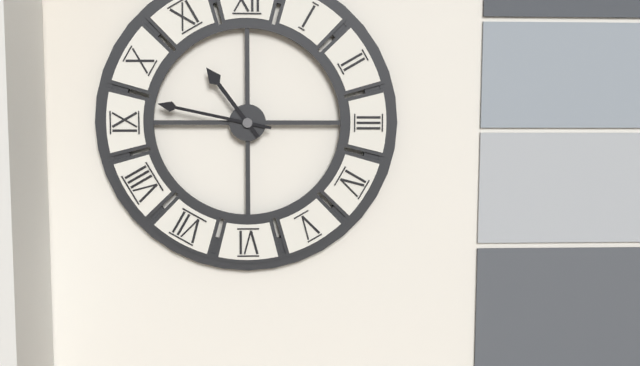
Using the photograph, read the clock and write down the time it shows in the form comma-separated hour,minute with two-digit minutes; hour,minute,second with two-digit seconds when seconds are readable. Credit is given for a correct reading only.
10,47
